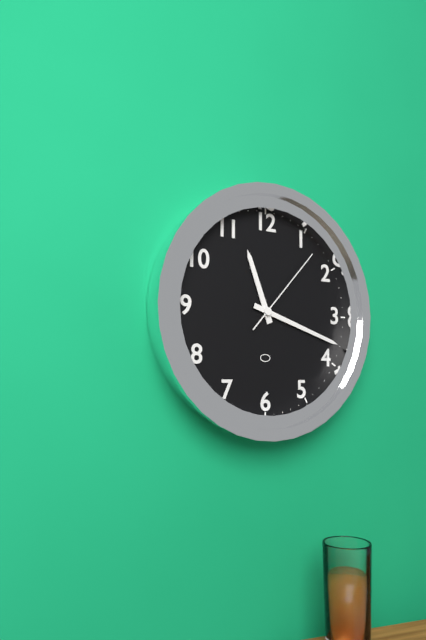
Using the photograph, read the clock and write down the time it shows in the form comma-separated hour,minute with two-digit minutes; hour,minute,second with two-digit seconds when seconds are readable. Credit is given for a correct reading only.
11,18,07
